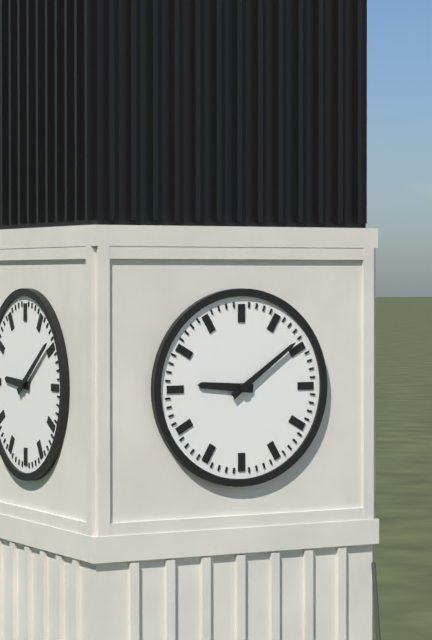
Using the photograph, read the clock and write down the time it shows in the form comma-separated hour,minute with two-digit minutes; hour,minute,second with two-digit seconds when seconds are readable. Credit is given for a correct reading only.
9,09
